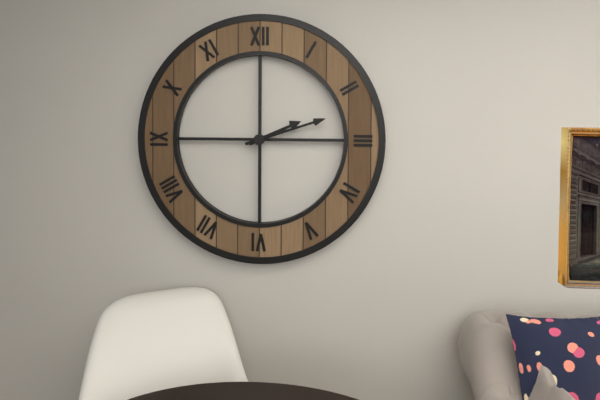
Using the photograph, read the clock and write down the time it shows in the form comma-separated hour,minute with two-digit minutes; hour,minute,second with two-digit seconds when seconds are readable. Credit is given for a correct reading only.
2,12
